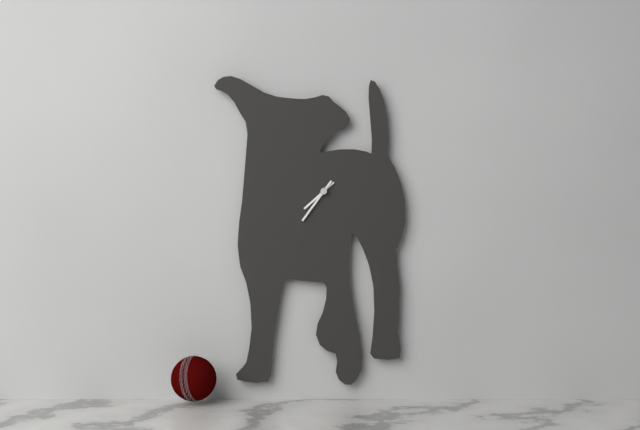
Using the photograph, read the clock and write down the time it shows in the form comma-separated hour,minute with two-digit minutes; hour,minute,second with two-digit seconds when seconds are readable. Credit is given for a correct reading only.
7,36
